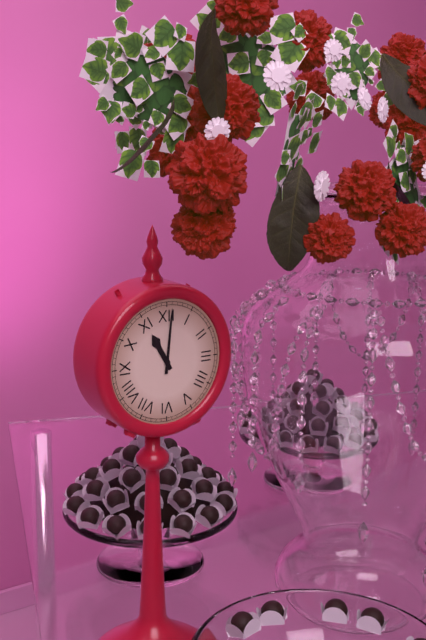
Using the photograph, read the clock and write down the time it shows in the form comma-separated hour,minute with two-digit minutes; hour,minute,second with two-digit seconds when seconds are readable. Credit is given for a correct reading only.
11,01
